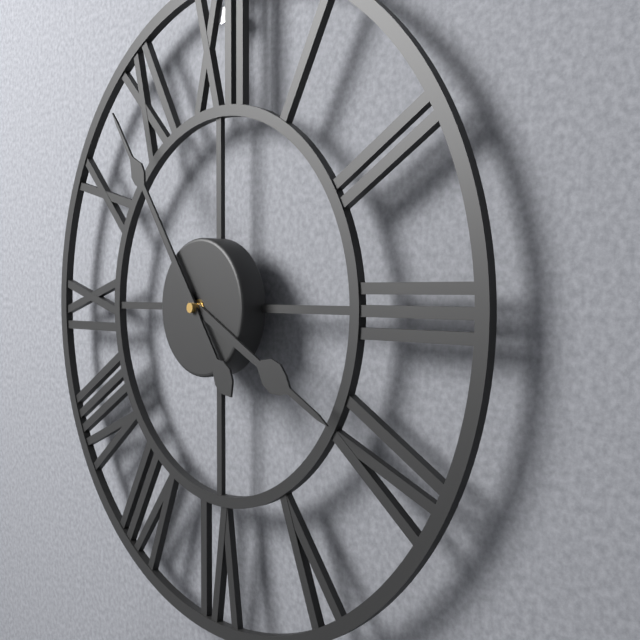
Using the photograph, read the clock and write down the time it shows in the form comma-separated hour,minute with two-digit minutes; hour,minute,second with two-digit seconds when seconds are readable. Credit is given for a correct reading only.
3,54
